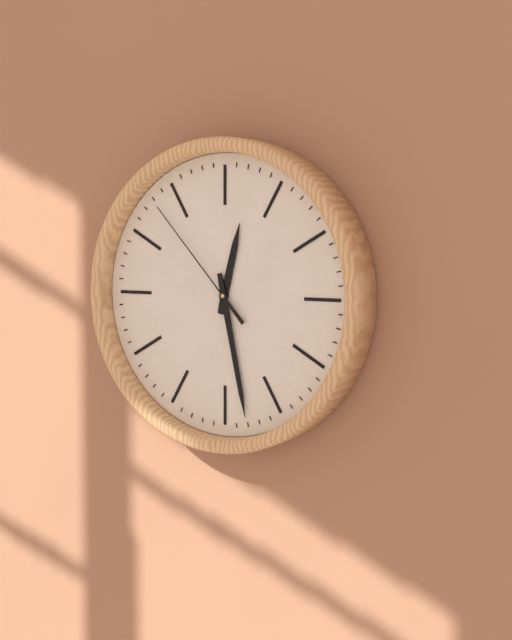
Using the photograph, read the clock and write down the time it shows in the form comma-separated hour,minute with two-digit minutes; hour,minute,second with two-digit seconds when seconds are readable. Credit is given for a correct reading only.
12,28,53
